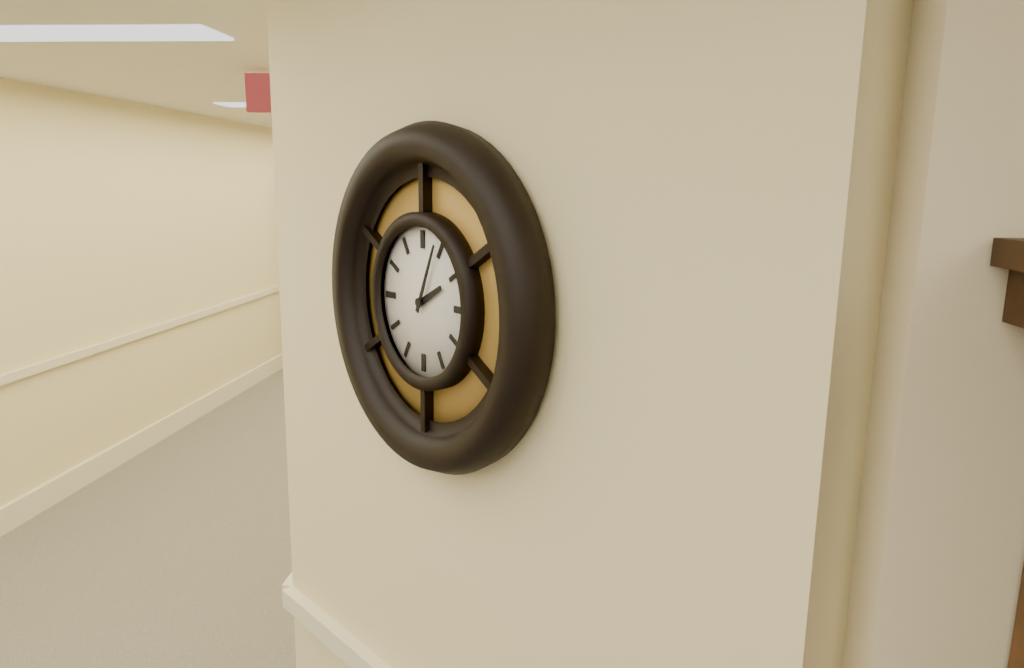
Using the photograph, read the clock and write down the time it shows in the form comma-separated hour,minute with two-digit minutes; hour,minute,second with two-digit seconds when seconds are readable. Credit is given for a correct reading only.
2,04
